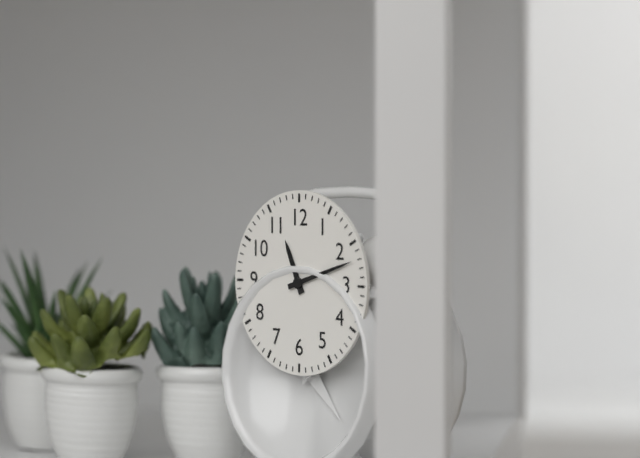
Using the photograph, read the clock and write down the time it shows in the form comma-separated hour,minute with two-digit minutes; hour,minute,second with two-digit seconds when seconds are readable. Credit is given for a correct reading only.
11,12
